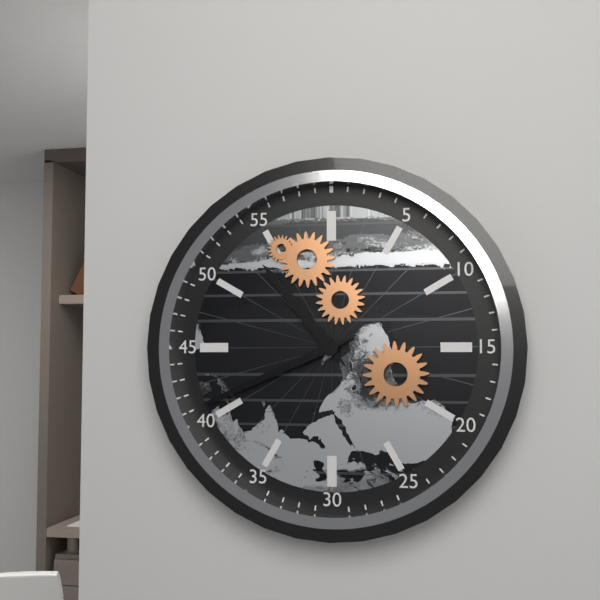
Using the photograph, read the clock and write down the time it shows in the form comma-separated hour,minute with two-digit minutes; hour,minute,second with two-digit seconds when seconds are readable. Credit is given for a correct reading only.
10,41
